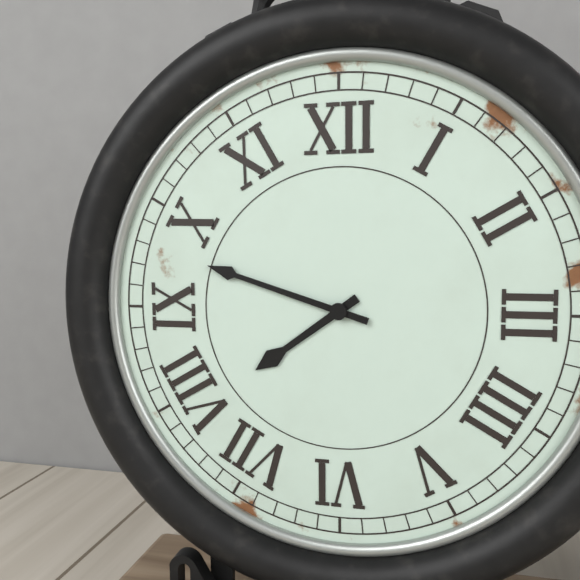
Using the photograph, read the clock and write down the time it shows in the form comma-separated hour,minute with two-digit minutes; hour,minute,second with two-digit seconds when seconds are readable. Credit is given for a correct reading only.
7,48
